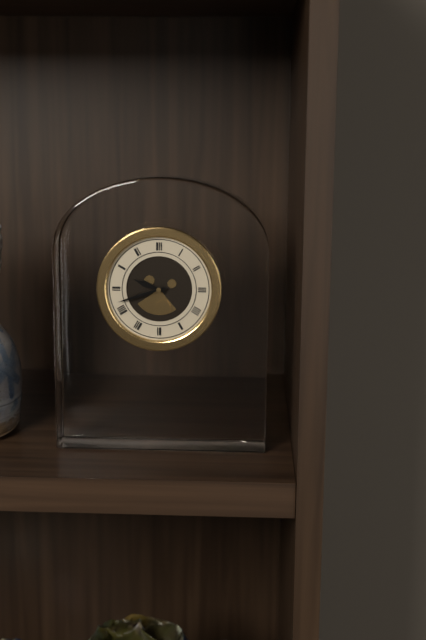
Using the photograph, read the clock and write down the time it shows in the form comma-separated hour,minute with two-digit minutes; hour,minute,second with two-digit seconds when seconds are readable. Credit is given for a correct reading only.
9,42
